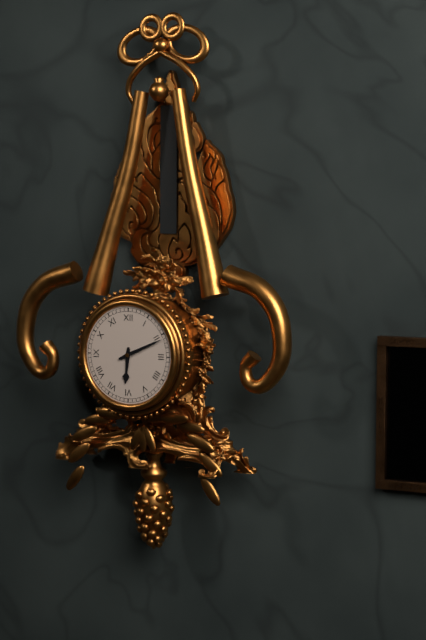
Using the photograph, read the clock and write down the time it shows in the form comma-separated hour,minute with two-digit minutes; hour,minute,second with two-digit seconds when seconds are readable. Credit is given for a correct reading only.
6,11
